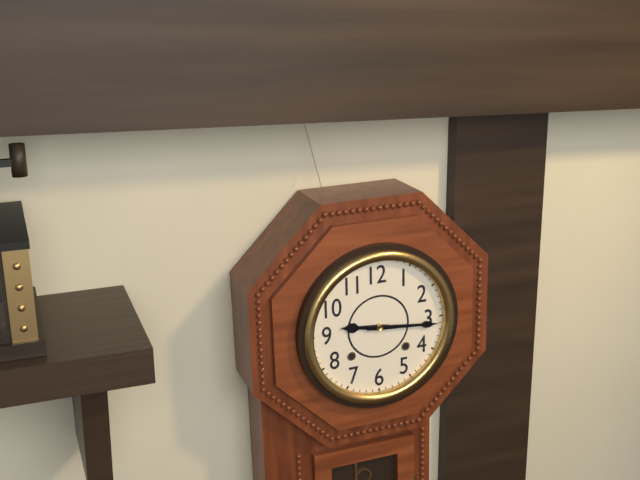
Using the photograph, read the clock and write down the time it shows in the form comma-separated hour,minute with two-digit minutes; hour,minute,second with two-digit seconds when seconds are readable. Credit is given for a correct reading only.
9,16
